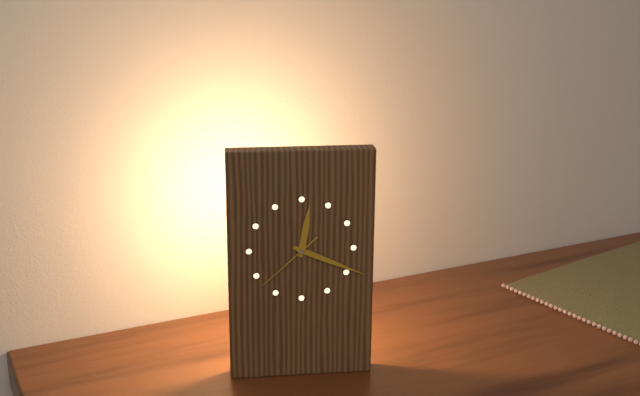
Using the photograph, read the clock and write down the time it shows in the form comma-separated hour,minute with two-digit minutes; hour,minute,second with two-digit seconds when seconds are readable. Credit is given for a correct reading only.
12,19,38
